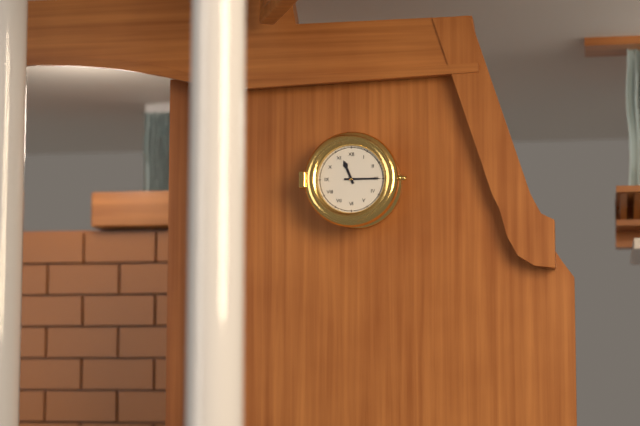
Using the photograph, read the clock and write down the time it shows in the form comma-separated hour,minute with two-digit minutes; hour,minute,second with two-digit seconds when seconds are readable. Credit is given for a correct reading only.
11,15
